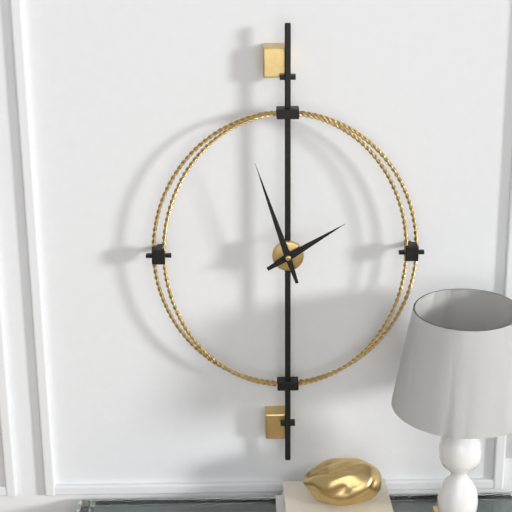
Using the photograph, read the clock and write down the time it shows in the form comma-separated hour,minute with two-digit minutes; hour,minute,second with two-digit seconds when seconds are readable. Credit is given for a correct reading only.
1,57
